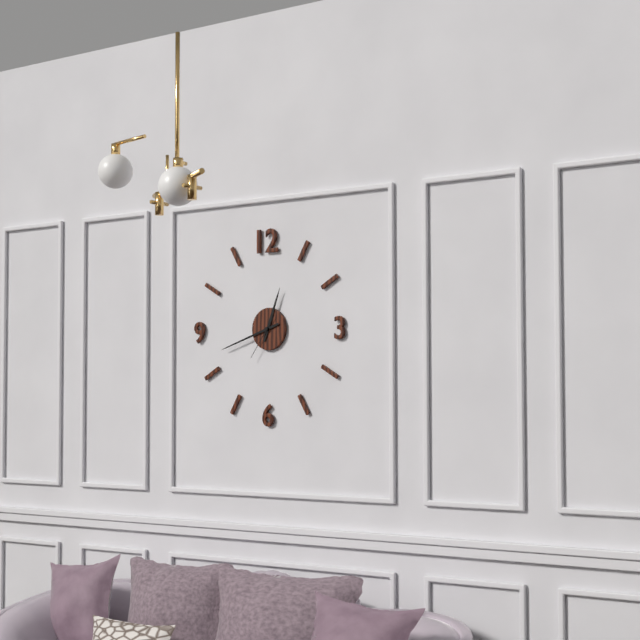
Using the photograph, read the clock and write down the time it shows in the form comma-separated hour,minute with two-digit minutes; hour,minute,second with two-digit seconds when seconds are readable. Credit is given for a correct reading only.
12,42
